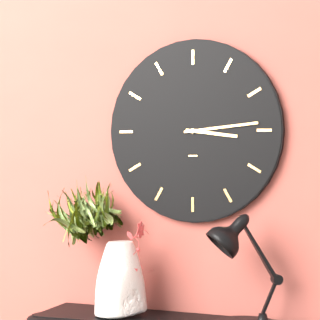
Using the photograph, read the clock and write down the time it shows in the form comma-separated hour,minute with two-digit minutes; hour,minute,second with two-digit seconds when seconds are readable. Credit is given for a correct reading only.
3,14
